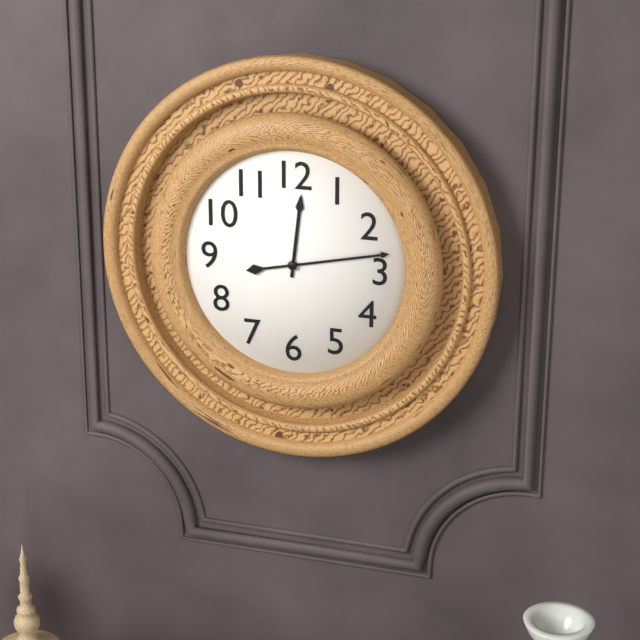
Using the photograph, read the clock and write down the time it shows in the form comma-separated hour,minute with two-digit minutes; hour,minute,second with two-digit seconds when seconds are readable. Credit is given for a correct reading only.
12,13
